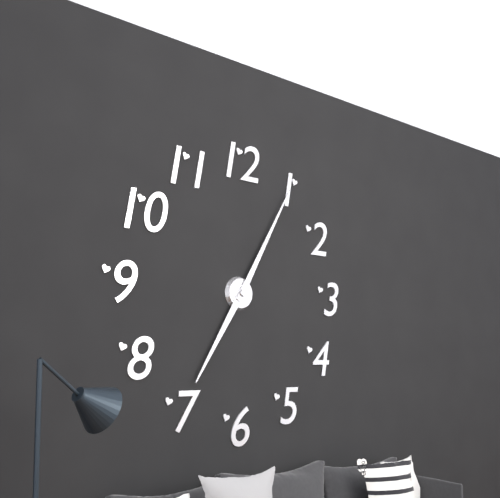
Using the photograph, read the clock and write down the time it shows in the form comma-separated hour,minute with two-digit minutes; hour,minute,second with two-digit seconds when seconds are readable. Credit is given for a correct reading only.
7,05
